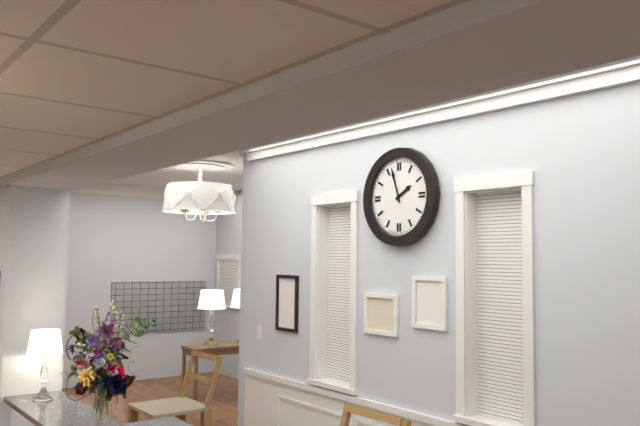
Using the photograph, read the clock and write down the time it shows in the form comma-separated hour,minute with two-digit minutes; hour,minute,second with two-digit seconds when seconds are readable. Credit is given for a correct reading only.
1,57
